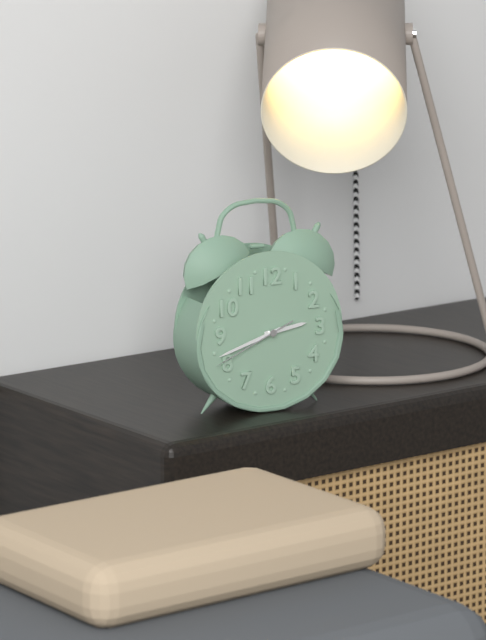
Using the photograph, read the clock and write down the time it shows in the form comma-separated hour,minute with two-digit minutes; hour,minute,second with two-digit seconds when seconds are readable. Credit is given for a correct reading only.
2,42,41
